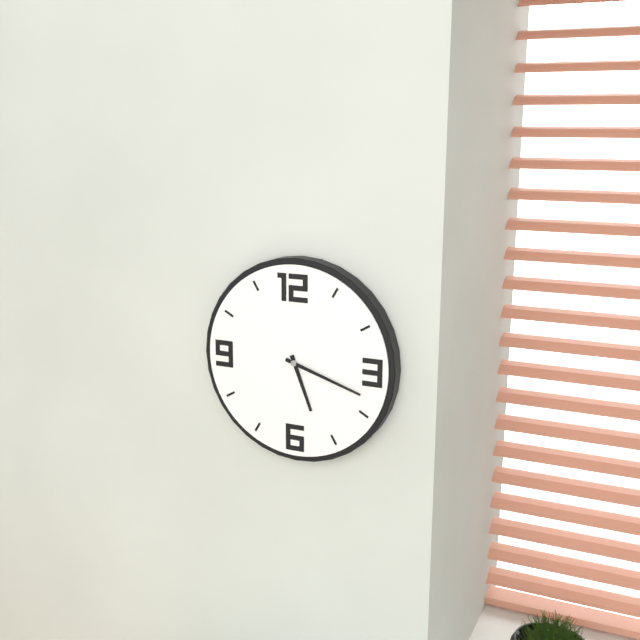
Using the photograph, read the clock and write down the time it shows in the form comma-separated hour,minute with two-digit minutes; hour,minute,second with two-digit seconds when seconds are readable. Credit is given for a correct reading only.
5,18
